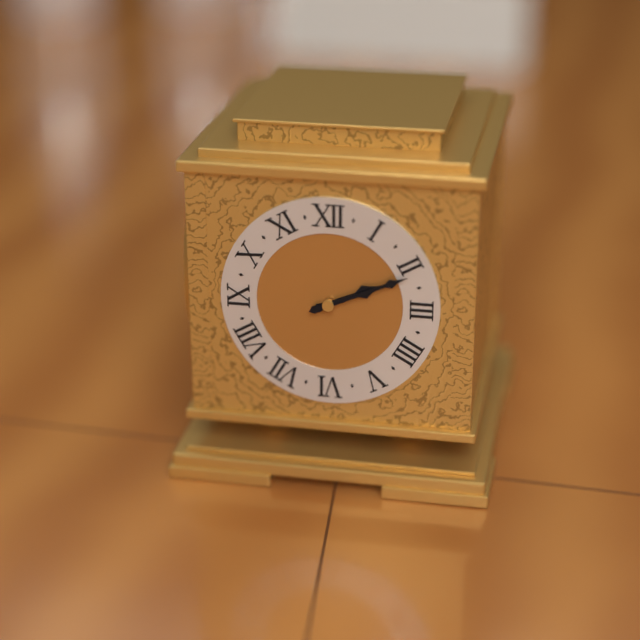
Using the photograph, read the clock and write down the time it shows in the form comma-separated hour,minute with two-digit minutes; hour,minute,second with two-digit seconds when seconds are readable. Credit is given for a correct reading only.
2,11
